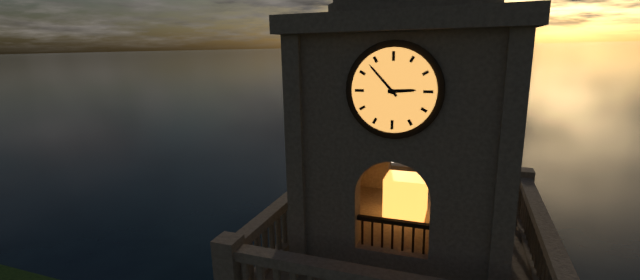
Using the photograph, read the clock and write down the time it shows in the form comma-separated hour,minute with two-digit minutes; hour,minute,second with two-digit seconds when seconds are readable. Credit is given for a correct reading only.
2,53
